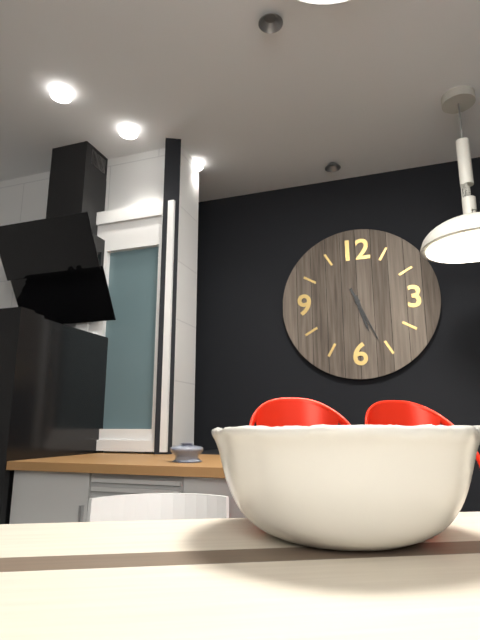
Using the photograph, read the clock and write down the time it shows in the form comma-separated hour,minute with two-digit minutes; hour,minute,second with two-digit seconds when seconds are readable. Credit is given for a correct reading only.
5,26
